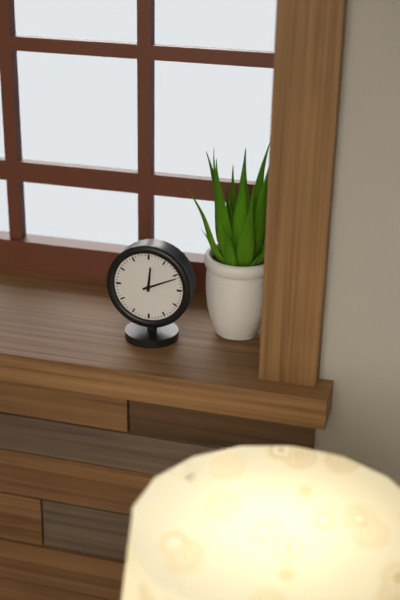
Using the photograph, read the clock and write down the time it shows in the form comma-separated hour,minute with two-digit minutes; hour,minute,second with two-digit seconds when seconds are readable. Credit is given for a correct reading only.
12,11
